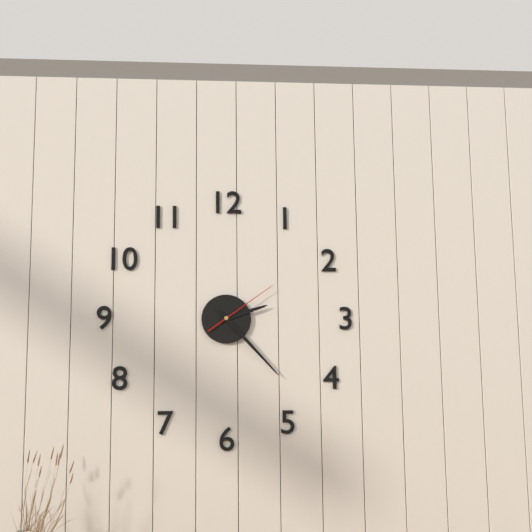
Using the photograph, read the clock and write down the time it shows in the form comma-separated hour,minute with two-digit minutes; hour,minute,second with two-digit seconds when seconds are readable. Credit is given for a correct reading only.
2,23,09
